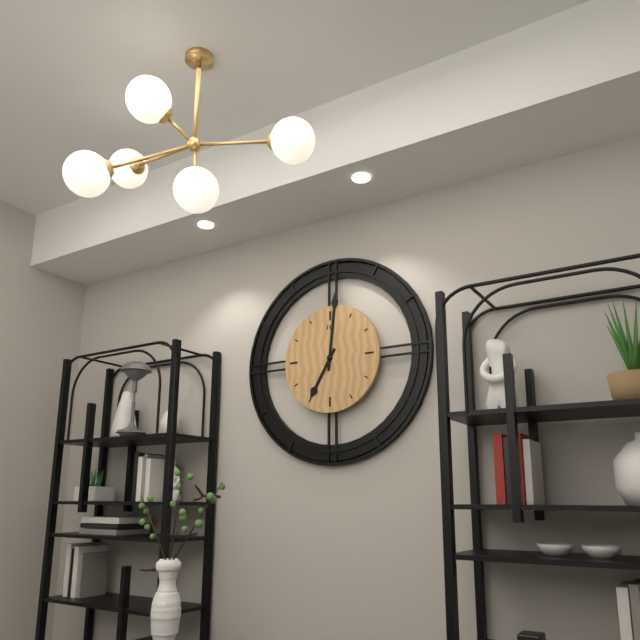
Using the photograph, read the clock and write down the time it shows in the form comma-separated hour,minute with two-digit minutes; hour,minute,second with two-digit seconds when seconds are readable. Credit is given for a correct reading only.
7,01
